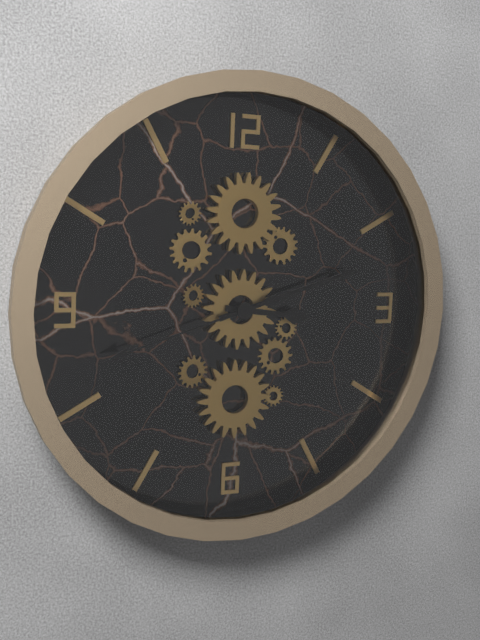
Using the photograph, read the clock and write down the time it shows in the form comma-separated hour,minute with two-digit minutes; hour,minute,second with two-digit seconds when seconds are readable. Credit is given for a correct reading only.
3,12,42
